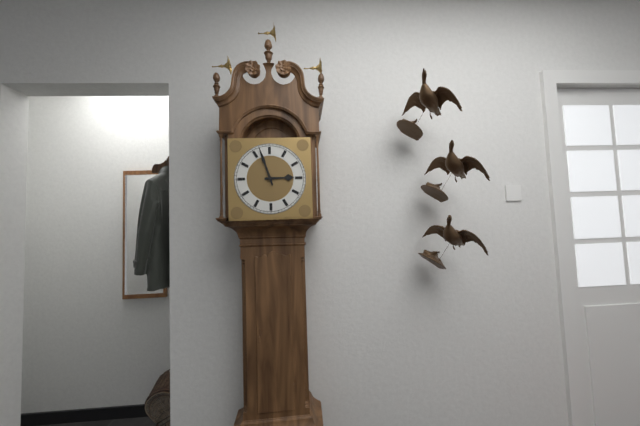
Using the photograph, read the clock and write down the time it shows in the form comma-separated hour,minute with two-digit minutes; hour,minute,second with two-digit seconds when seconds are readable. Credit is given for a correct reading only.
2,57
